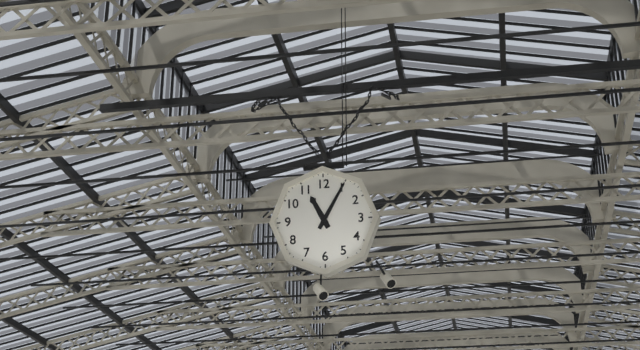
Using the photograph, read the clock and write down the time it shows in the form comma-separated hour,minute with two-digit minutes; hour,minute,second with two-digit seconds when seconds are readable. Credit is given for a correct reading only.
11,05
